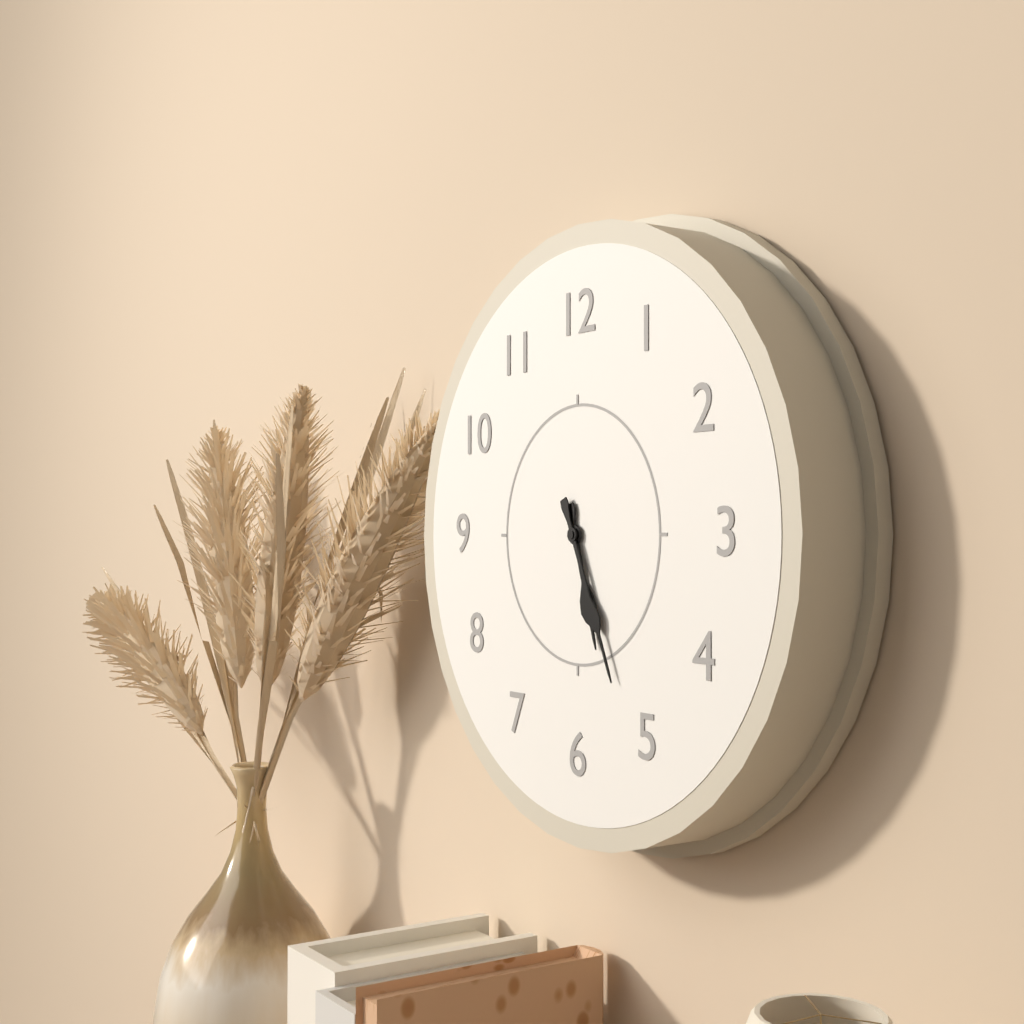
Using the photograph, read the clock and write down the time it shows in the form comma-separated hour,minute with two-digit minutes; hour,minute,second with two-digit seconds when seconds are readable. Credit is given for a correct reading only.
5,26
